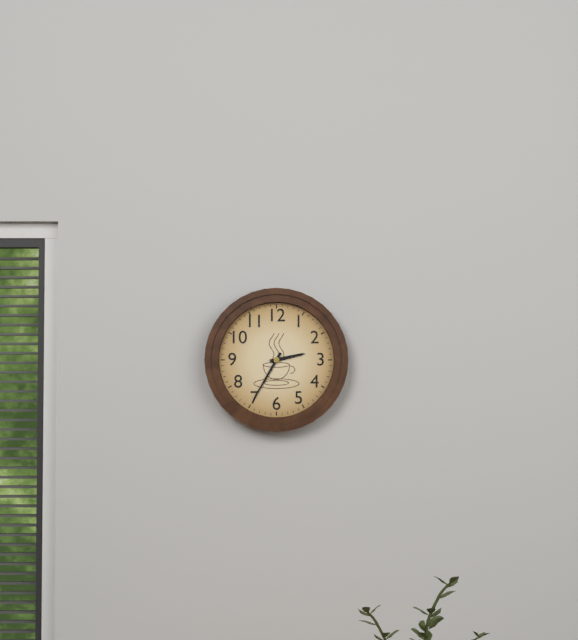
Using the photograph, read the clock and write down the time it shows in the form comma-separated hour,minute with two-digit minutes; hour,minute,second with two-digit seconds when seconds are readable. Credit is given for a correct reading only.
2,35
